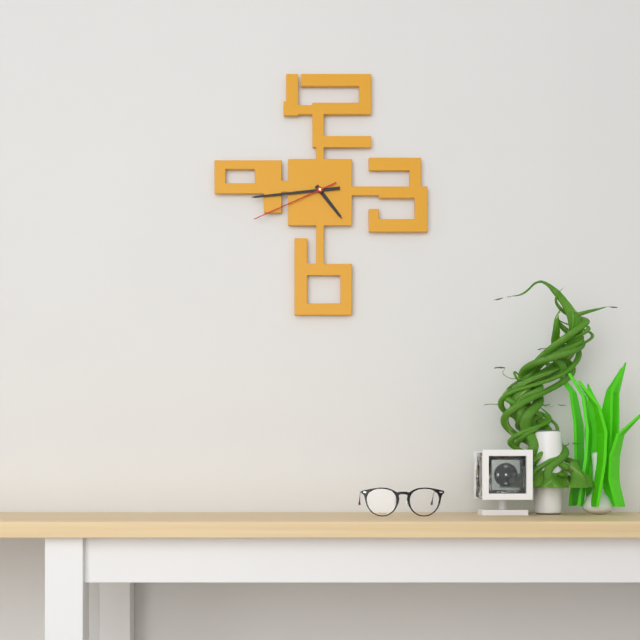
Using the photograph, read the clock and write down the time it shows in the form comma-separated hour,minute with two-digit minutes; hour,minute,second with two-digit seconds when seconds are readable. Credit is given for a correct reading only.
4,44,41
